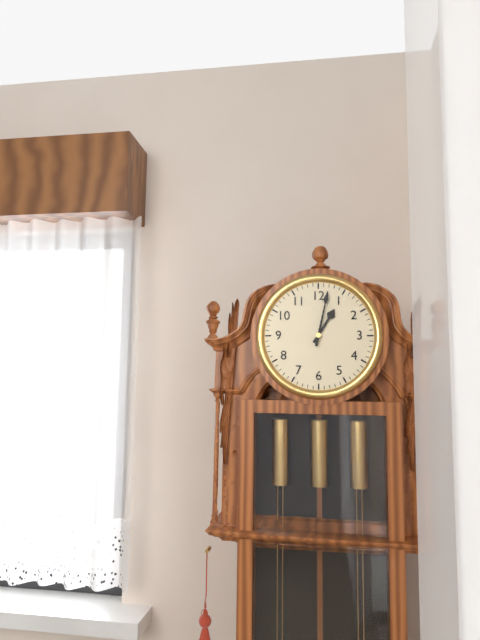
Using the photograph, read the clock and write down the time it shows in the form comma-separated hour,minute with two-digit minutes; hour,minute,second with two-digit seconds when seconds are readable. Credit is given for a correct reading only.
1,02
